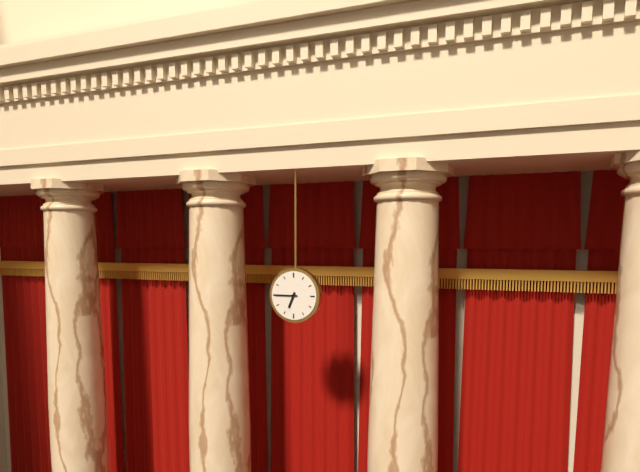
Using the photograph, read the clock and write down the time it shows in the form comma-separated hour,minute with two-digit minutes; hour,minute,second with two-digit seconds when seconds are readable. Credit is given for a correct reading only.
6,45
